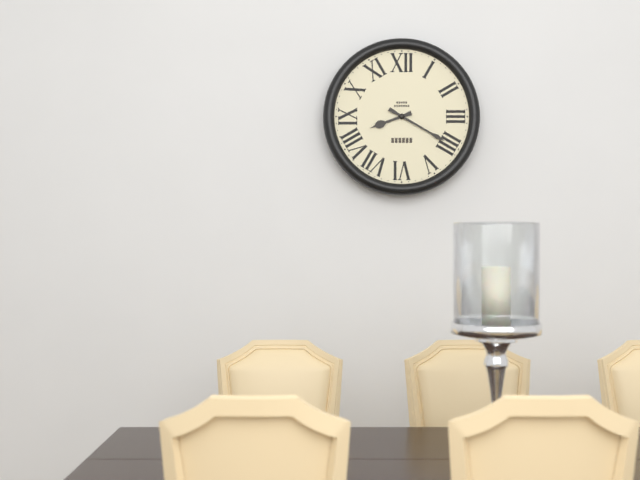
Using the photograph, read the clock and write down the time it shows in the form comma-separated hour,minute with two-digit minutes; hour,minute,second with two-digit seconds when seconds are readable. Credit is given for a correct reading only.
8,20
